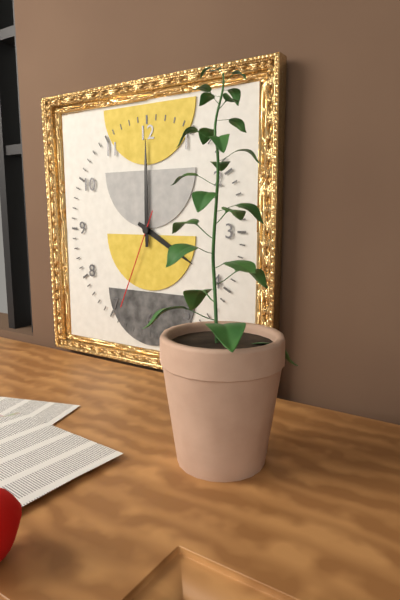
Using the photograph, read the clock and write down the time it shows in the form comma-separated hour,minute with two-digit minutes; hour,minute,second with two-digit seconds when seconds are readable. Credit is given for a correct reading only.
4,00,34
